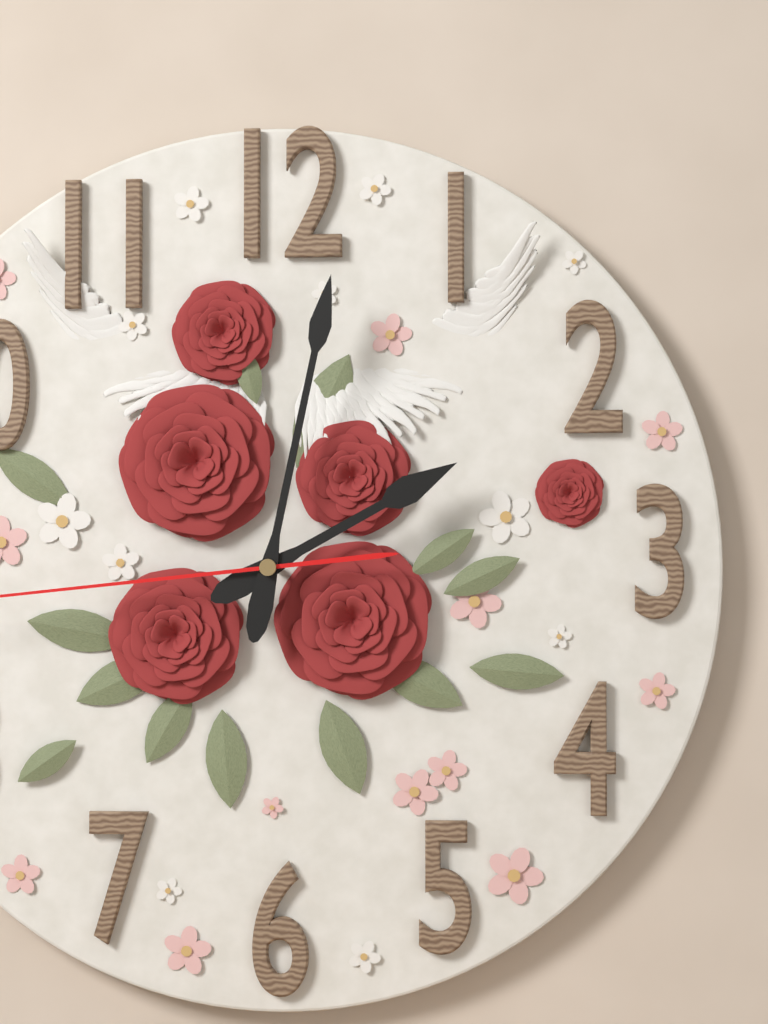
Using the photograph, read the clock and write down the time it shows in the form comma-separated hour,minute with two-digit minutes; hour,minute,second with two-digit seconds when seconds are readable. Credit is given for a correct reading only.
2,02
